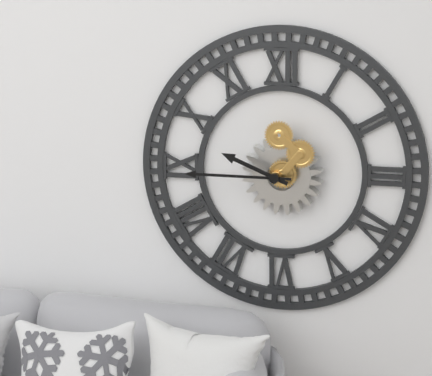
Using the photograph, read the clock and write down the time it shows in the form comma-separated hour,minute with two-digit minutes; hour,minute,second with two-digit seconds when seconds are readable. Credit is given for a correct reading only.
9,45
